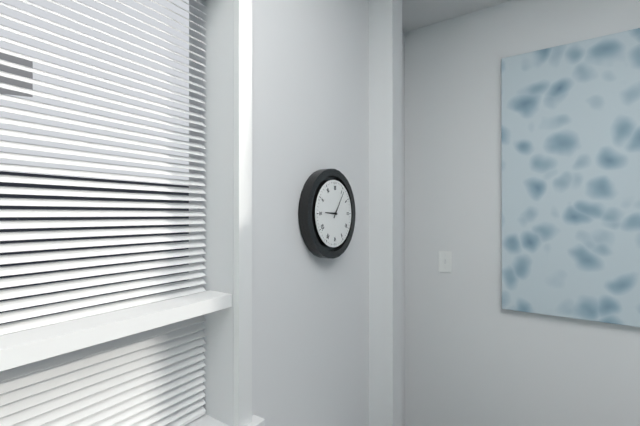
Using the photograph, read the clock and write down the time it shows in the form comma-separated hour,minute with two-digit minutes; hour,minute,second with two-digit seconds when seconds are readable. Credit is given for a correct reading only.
9,06
